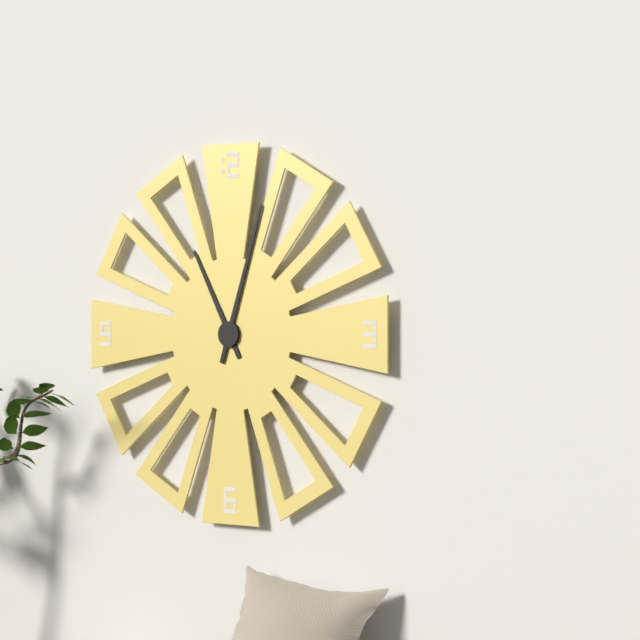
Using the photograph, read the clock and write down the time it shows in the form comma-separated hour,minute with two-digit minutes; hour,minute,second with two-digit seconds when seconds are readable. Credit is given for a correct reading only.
11,03
